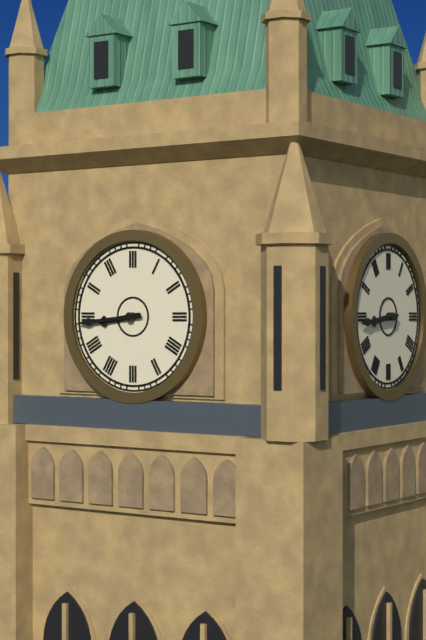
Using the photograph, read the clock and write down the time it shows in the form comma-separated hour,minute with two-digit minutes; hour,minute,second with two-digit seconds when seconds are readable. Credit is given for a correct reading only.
8,44
